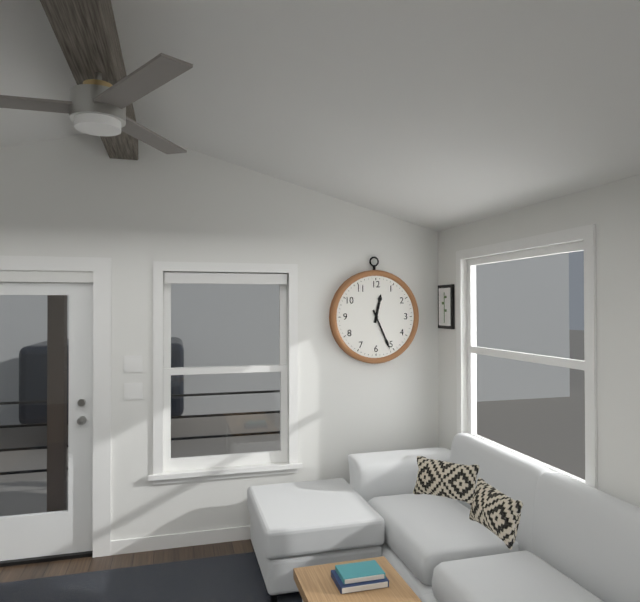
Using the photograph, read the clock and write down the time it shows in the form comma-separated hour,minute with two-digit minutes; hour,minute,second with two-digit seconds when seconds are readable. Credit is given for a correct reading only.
12,26
